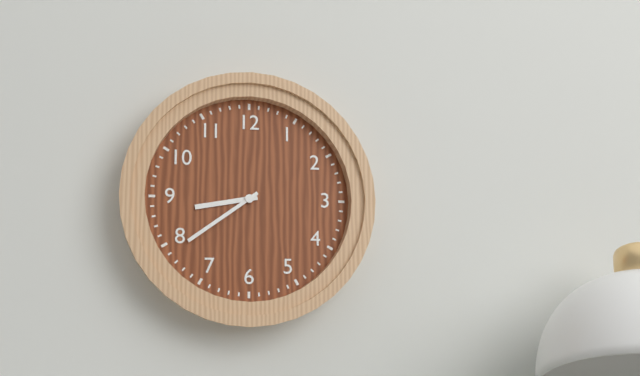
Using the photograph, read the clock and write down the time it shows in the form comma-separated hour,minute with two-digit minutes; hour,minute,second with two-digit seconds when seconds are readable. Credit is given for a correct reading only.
8,39
